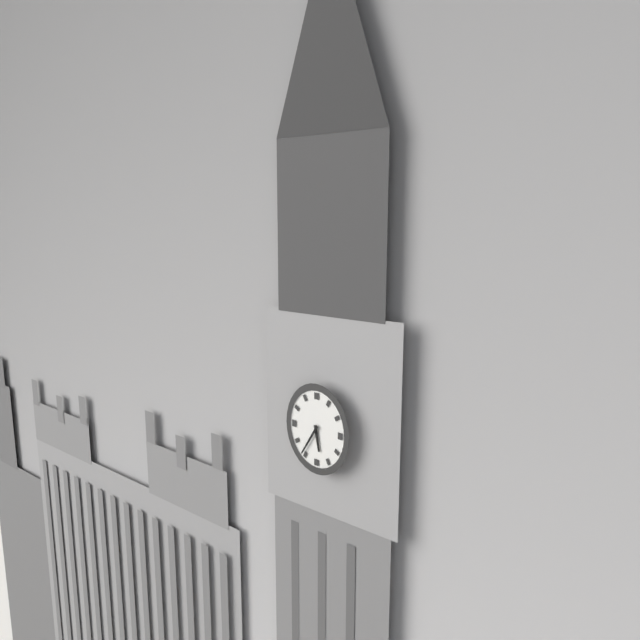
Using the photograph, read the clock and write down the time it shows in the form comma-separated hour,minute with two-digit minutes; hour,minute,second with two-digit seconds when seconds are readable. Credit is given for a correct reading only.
5,36
